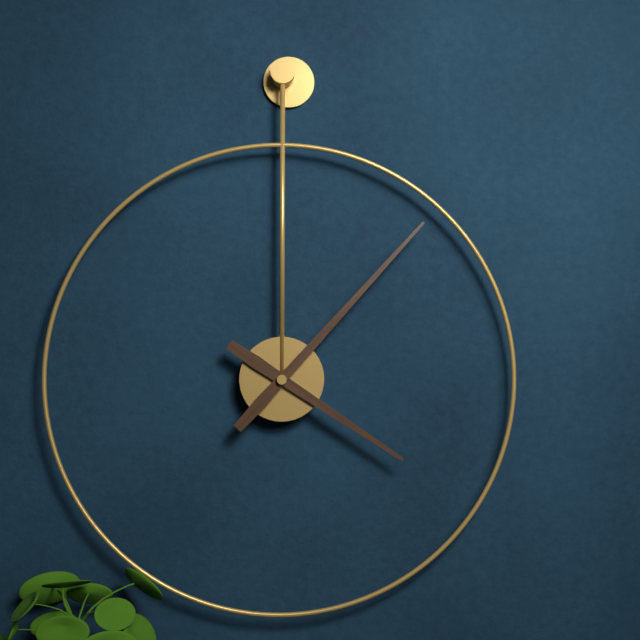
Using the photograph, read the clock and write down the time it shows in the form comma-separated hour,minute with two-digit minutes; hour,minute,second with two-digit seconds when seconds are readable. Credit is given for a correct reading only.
4,07
